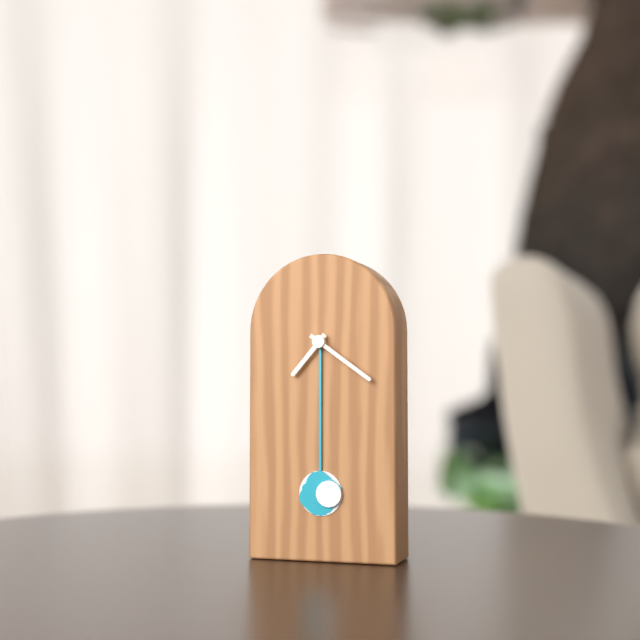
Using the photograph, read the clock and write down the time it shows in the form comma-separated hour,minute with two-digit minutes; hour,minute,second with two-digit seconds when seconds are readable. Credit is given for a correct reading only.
7,21
